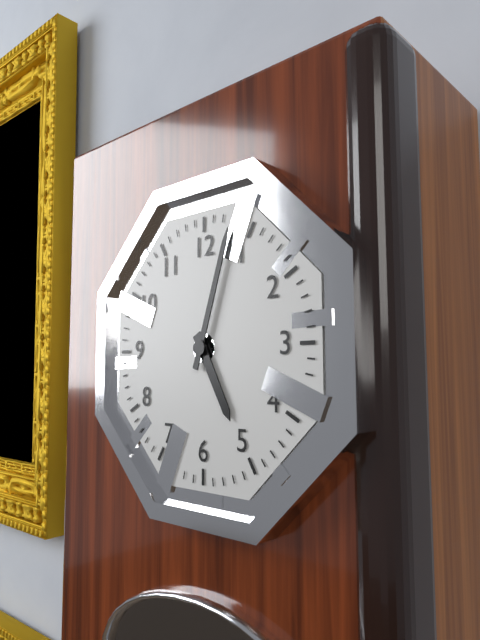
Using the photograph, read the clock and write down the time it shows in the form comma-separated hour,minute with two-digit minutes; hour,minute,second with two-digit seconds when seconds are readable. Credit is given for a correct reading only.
5,03
